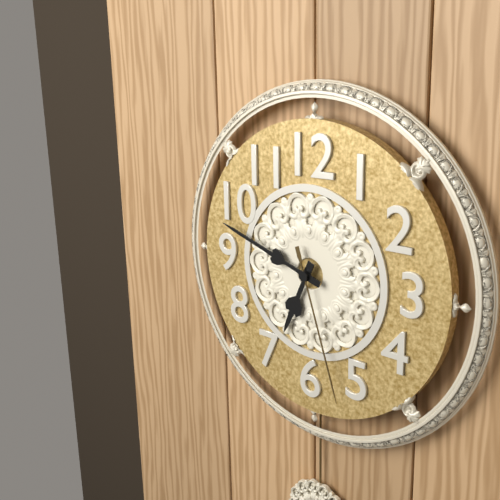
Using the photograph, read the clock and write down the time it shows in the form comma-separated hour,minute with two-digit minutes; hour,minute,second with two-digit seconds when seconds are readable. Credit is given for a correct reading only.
6,48,27
